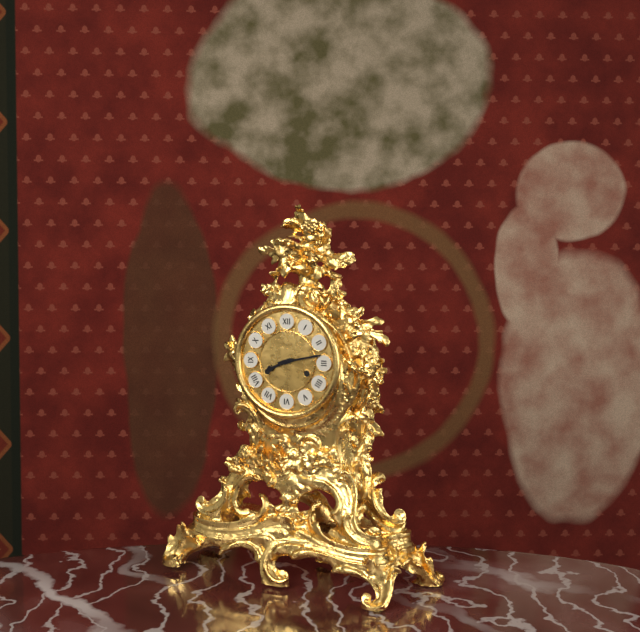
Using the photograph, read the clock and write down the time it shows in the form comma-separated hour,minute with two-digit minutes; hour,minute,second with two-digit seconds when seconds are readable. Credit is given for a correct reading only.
8,13
